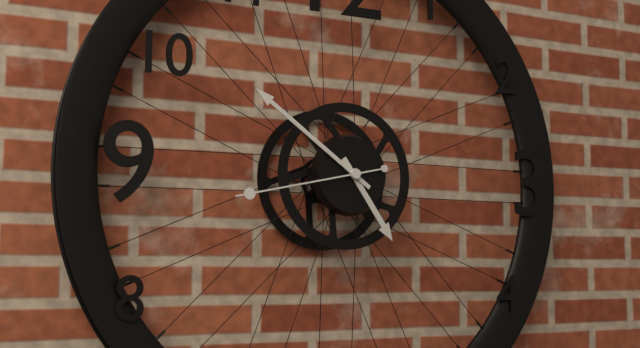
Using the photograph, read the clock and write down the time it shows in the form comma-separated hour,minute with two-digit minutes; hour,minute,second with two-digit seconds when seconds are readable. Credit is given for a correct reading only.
4,51,43
